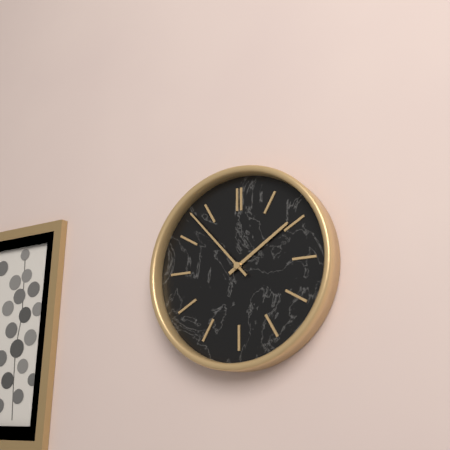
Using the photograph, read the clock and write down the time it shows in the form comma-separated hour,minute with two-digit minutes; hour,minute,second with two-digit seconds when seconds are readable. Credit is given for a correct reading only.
1,53
